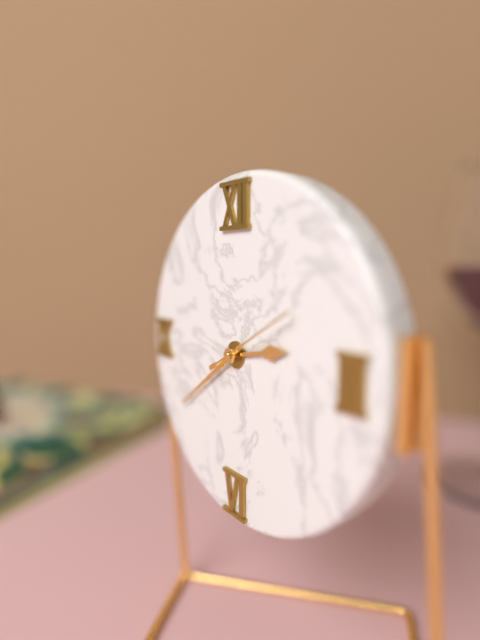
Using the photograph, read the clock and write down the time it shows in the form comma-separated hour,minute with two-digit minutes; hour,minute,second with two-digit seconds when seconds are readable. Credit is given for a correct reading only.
2,39,10
